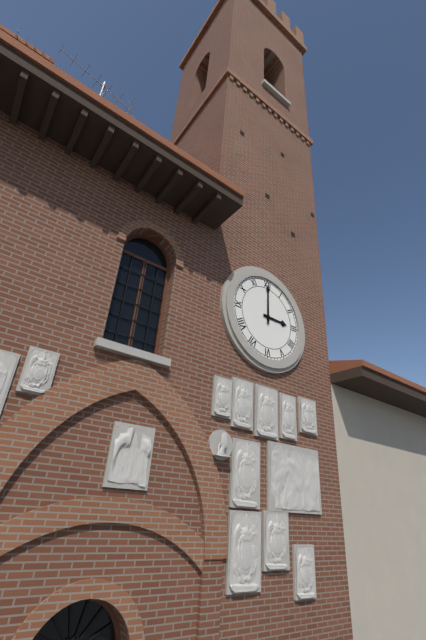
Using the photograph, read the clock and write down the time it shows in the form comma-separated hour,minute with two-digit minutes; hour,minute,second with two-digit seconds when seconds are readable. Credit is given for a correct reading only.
3,00
